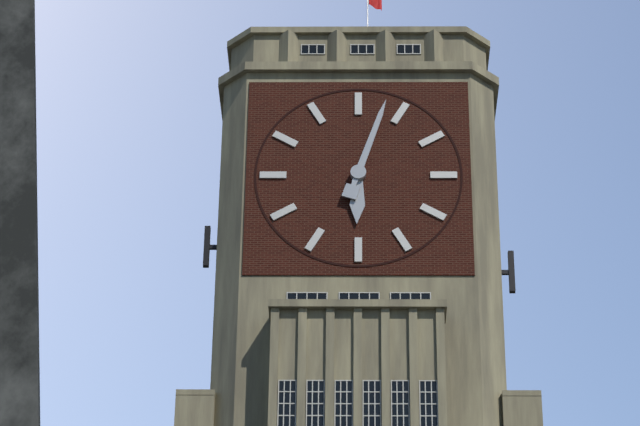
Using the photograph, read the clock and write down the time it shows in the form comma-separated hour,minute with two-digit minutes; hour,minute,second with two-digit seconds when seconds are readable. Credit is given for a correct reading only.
6,03
